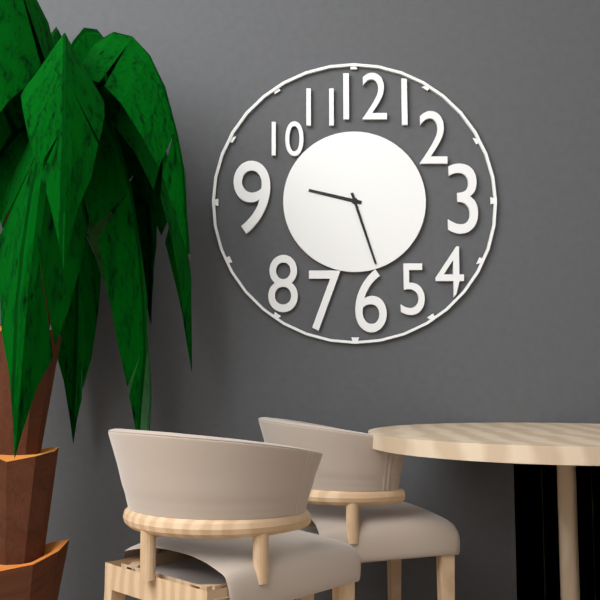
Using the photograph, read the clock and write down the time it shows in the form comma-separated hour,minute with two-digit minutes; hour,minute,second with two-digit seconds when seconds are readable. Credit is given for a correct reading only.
9,27
